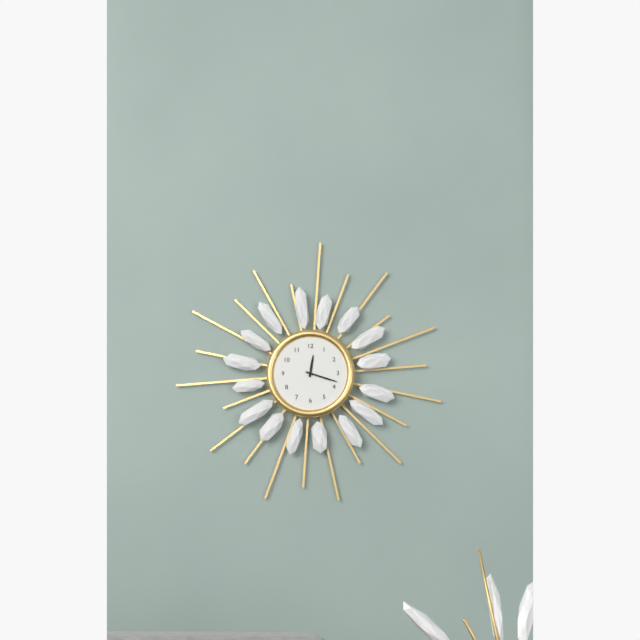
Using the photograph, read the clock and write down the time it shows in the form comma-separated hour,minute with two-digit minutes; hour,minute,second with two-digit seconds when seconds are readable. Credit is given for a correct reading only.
12,18
